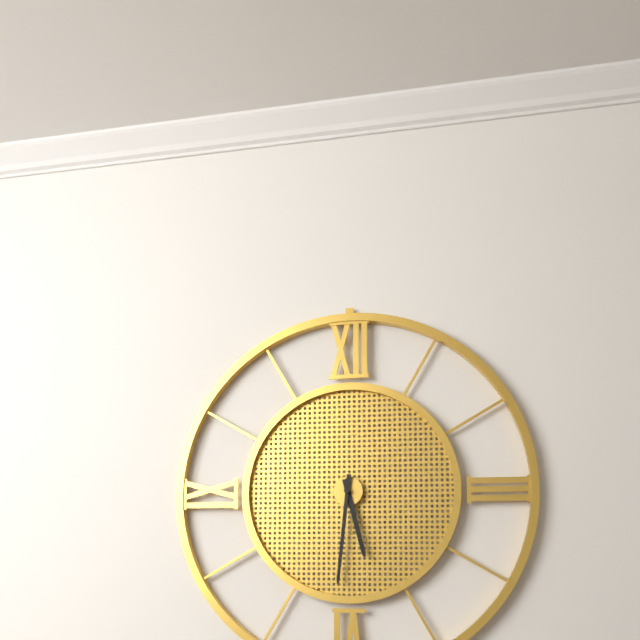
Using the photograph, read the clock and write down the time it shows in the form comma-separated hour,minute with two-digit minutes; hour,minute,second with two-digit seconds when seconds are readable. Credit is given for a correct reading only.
5,31
